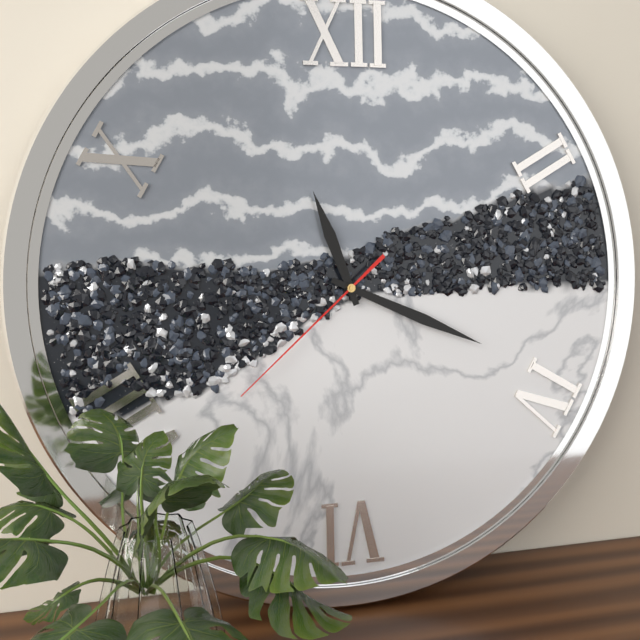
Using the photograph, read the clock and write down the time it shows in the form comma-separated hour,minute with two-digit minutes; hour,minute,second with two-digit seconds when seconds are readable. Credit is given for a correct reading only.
11,19,38
